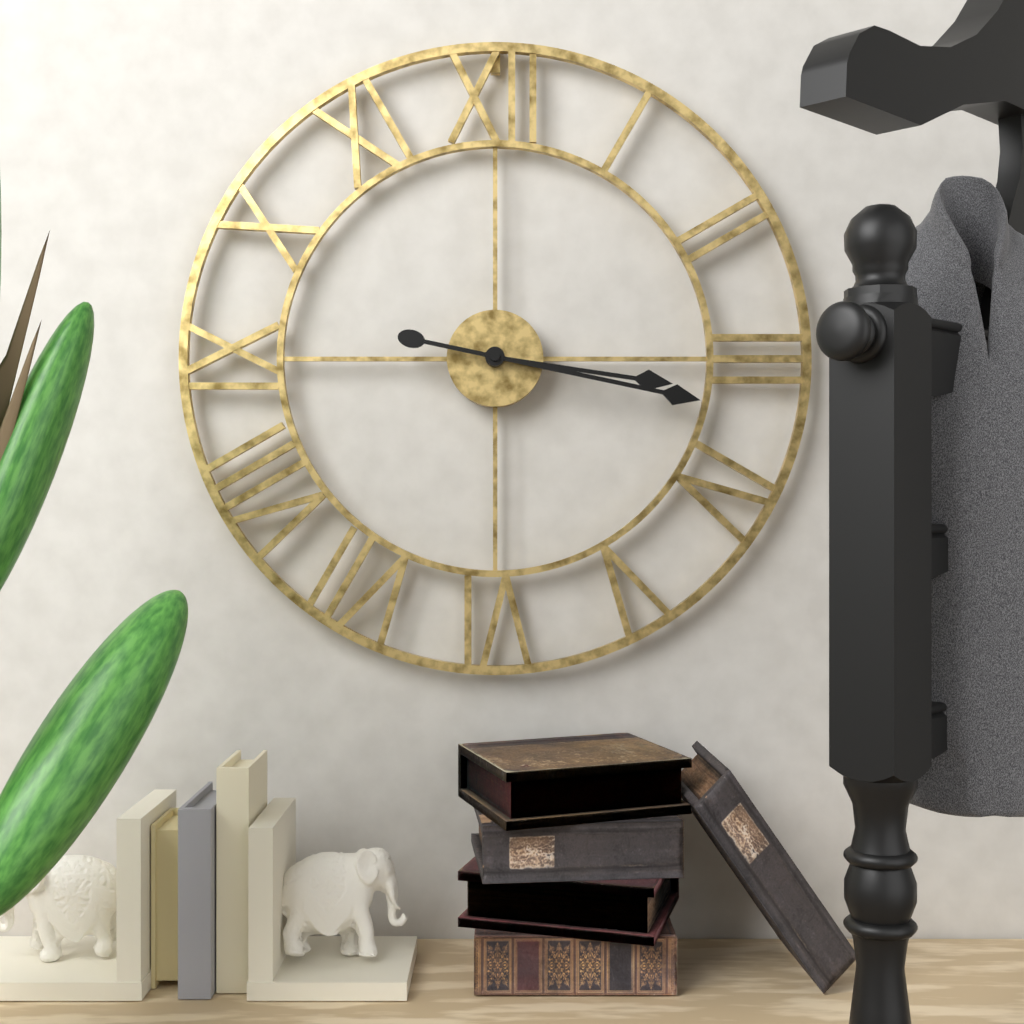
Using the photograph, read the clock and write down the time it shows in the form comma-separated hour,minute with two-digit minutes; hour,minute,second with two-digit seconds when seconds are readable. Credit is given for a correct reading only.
3,17
